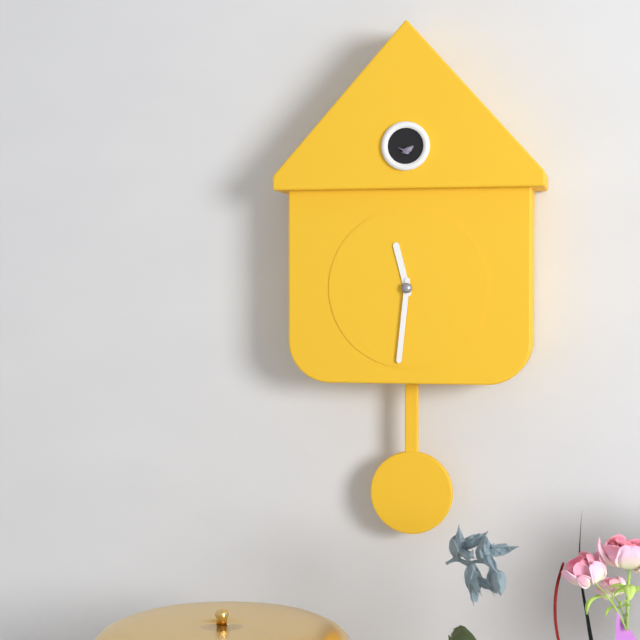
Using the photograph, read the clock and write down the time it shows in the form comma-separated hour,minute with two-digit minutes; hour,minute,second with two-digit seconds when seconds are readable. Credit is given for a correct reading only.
11,31
